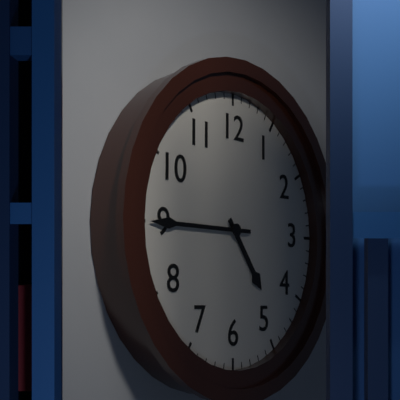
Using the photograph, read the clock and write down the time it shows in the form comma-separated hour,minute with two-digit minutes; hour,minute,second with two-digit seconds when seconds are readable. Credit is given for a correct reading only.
4,45
